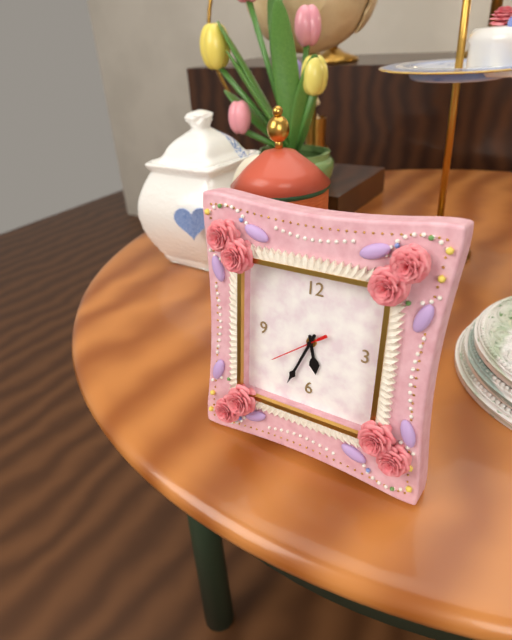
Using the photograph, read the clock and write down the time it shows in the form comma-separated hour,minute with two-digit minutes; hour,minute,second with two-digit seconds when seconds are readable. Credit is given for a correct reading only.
5,34,39
